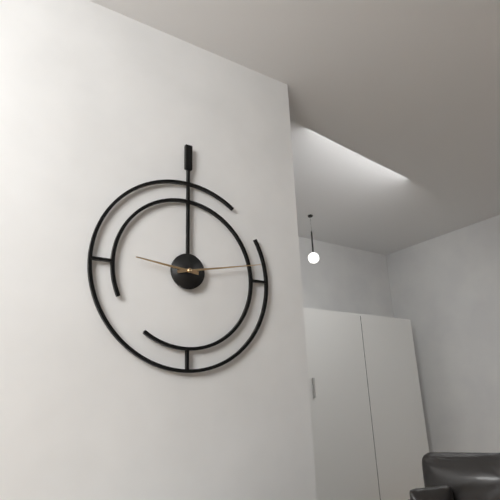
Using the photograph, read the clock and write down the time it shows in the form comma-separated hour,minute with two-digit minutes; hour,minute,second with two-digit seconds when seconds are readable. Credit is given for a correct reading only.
9,13
